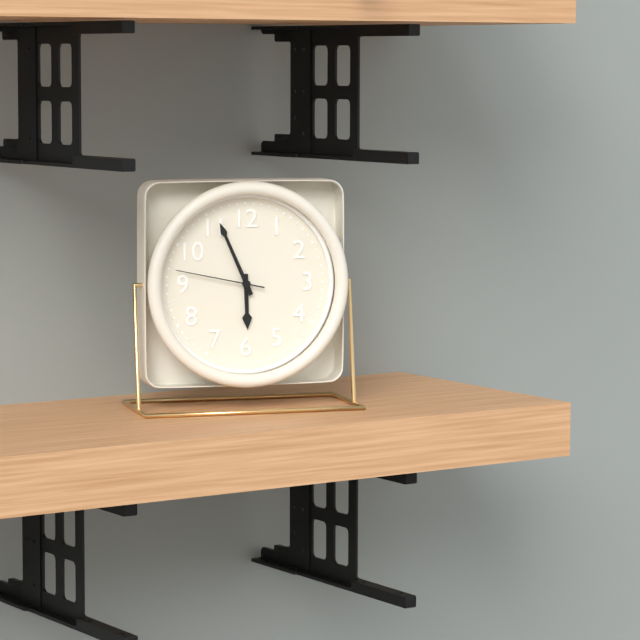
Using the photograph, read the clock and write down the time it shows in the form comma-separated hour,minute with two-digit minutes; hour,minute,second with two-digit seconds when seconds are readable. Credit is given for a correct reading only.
5,56,47
